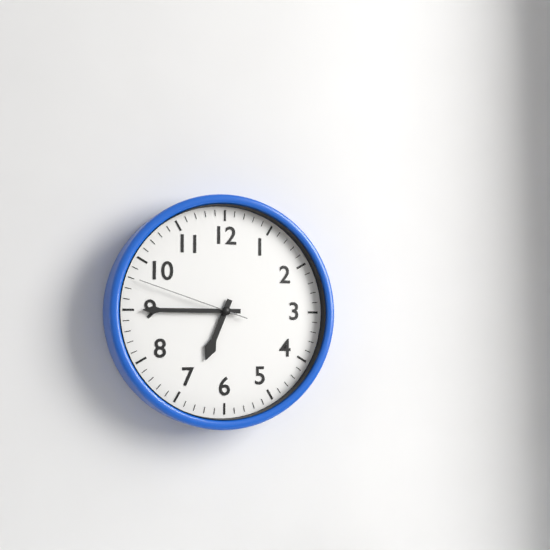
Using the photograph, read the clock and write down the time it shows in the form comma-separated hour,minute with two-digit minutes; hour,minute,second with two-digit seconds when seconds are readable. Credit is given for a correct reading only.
6,45,48
